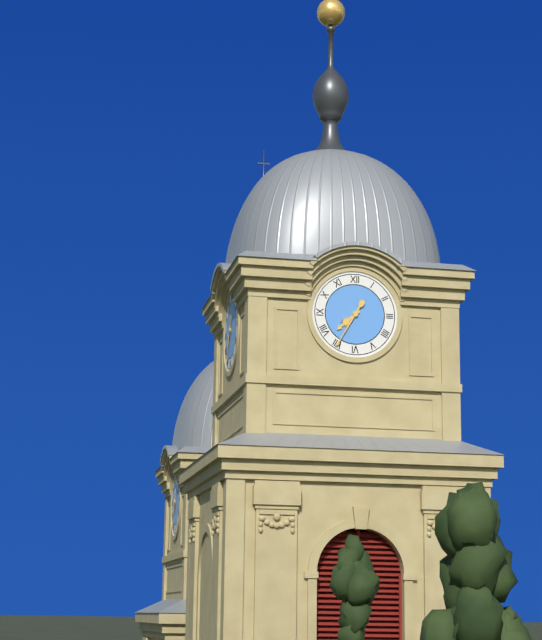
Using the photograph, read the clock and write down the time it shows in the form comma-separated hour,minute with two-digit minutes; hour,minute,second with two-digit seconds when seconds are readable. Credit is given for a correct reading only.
7,35
